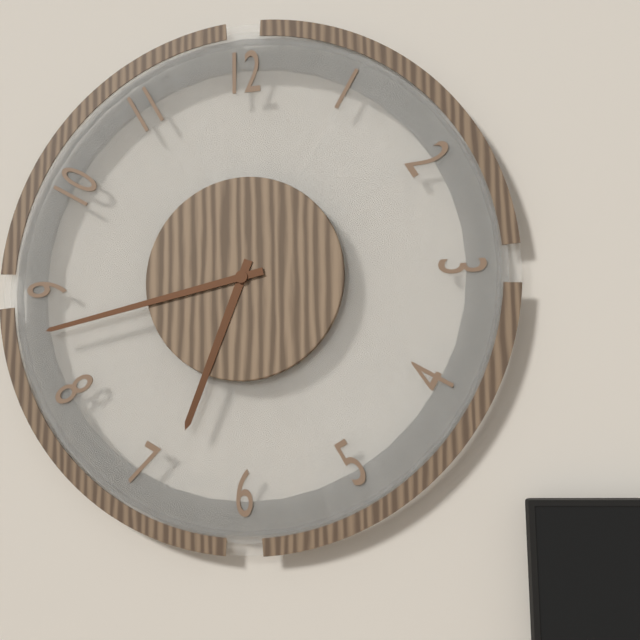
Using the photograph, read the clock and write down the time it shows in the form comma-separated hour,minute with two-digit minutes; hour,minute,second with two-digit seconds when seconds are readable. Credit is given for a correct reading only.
6,43
